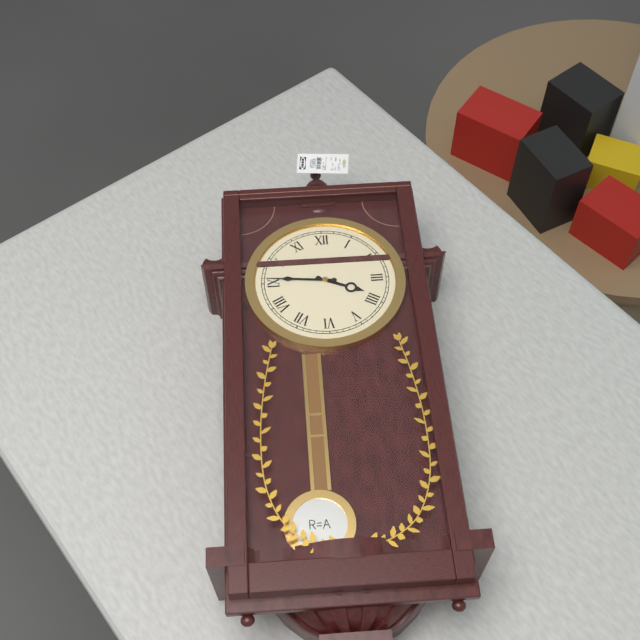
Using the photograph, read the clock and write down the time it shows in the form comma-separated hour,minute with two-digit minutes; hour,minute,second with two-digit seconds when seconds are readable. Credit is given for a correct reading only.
3,46
